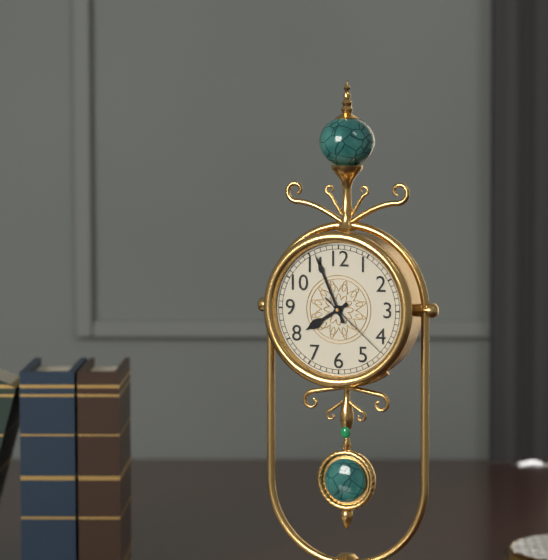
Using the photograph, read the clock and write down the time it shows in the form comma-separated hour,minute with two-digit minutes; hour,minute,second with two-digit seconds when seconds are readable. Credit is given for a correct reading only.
7,56,22
